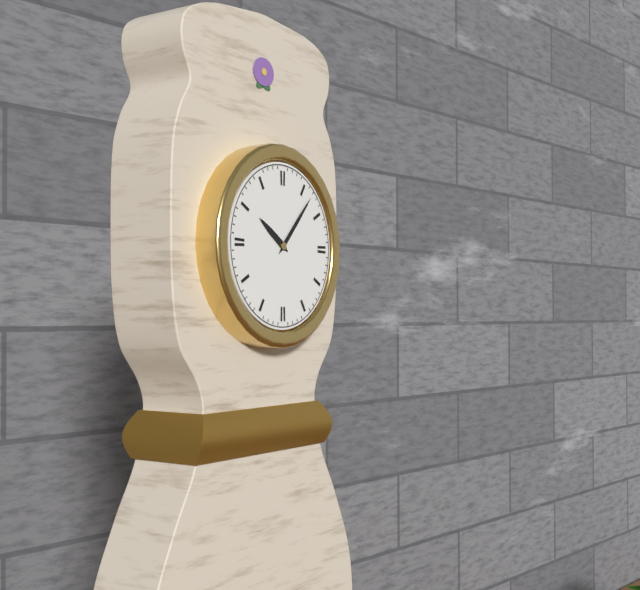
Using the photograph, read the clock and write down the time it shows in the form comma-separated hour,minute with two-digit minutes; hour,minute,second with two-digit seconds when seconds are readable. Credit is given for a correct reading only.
10,07
